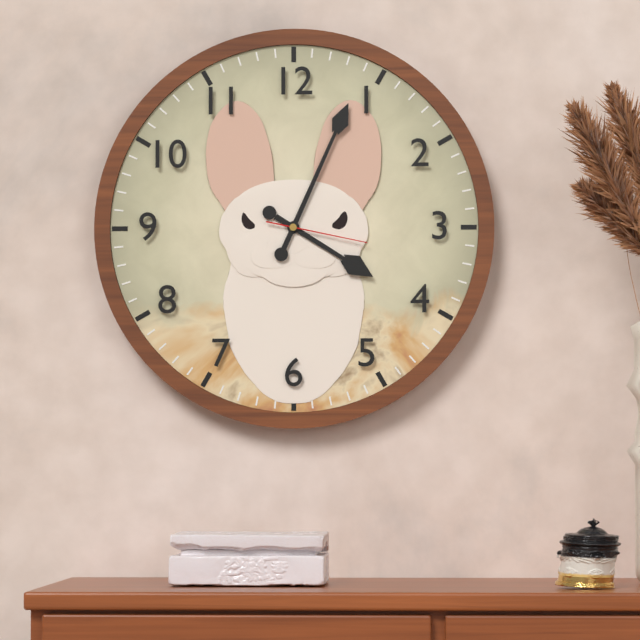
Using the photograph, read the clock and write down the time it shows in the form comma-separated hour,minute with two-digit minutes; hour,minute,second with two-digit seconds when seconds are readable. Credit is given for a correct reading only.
4,04,17
